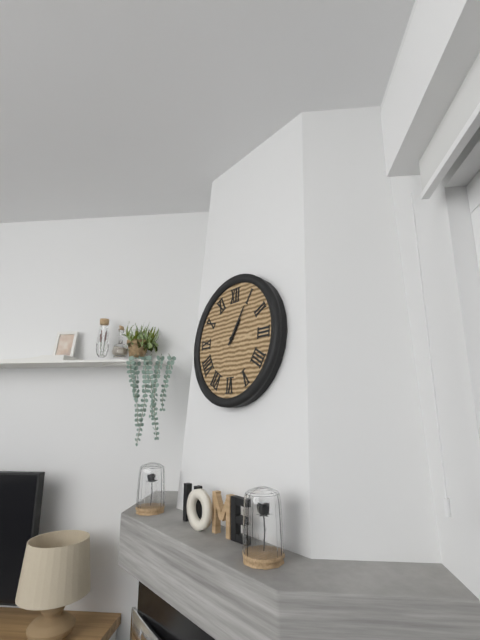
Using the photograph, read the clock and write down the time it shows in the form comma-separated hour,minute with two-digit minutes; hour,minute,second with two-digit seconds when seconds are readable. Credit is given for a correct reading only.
1,05
